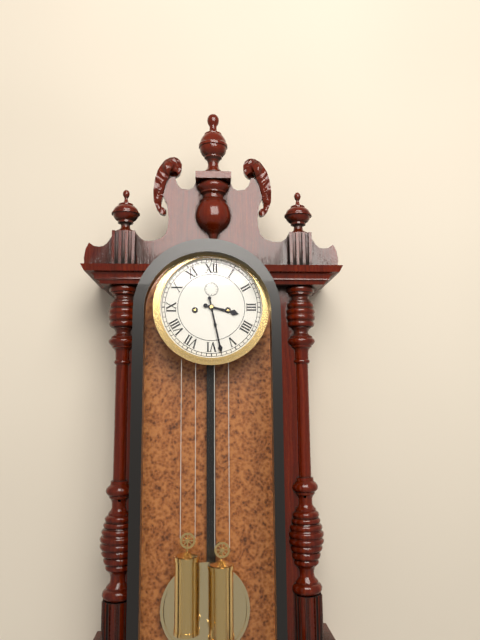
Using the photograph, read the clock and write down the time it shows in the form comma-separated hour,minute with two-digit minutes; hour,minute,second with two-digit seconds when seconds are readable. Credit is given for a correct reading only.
3,28
